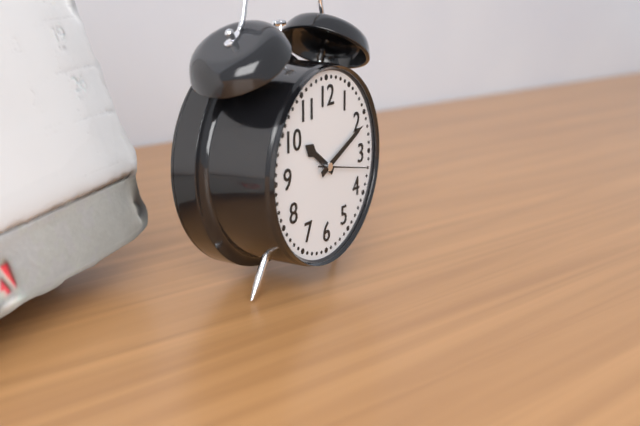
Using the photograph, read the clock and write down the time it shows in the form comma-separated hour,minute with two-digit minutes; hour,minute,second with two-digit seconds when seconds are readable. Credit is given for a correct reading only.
10,11
